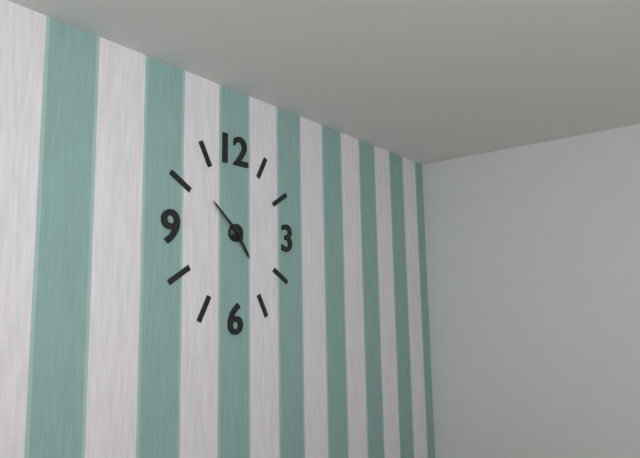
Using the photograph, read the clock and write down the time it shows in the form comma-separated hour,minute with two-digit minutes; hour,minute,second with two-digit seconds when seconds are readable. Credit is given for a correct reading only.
4,52
